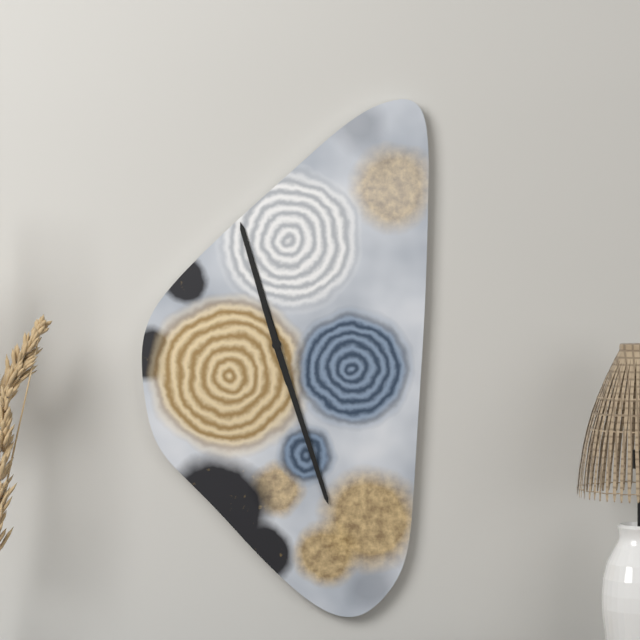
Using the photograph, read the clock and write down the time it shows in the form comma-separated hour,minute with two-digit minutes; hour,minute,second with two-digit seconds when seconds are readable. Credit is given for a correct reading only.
11,27
